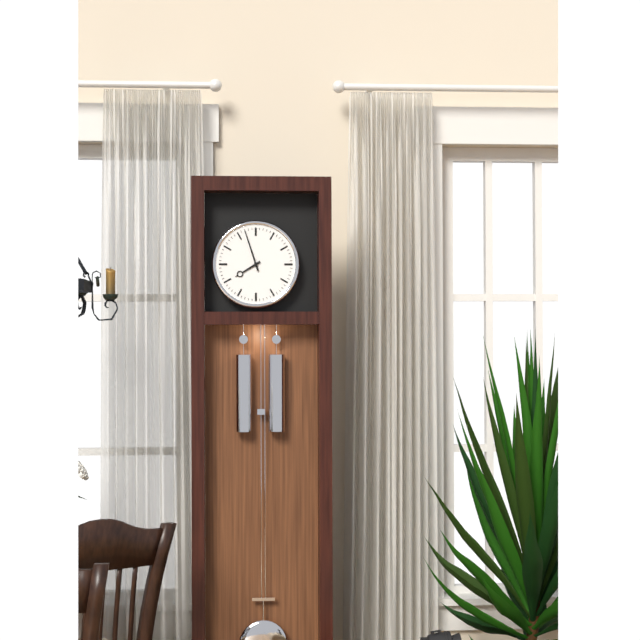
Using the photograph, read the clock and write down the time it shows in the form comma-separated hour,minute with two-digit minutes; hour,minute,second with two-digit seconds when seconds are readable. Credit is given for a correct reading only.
7,57
